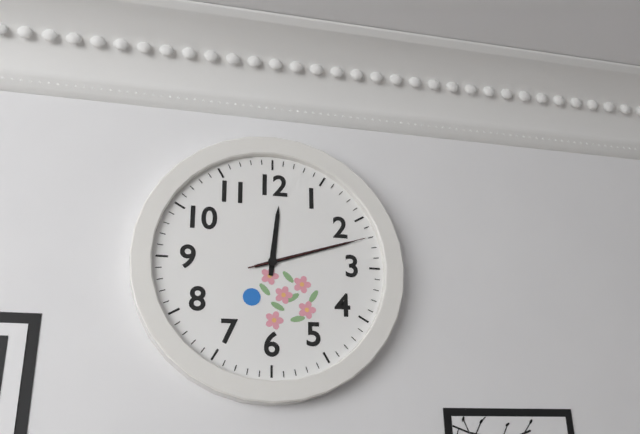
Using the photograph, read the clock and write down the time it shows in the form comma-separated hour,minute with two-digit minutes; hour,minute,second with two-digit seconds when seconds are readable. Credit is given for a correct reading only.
12,12,12
